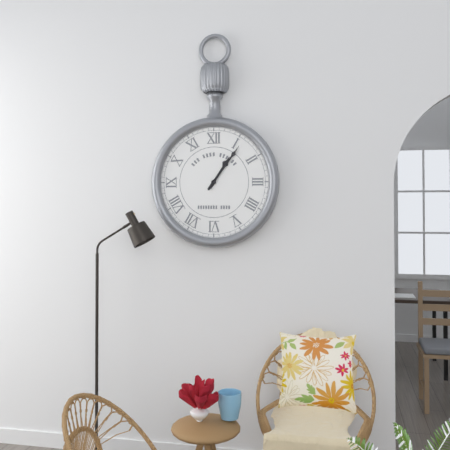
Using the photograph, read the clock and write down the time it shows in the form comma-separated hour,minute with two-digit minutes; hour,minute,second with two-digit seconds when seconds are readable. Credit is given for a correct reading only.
1,06
